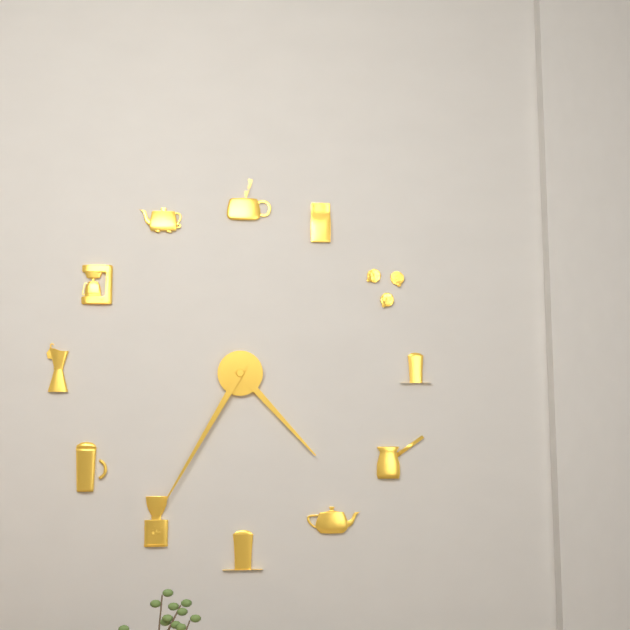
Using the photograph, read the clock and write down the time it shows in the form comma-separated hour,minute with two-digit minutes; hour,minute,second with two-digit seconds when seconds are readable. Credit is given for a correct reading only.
4,35
